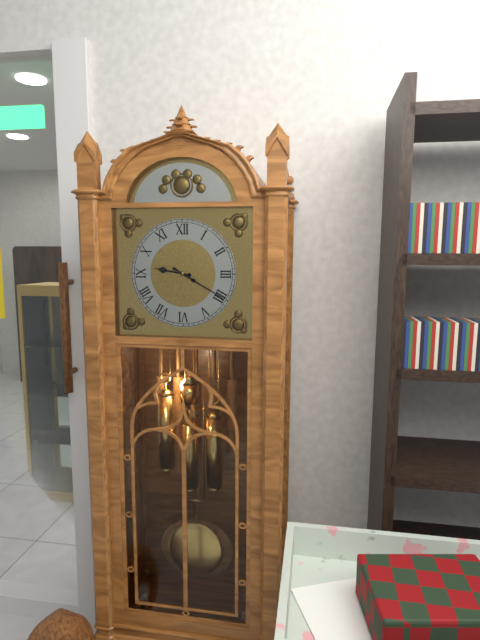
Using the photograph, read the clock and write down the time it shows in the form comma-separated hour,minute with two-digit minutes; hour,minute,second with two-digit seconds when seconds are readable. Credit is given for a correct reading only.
9,20
